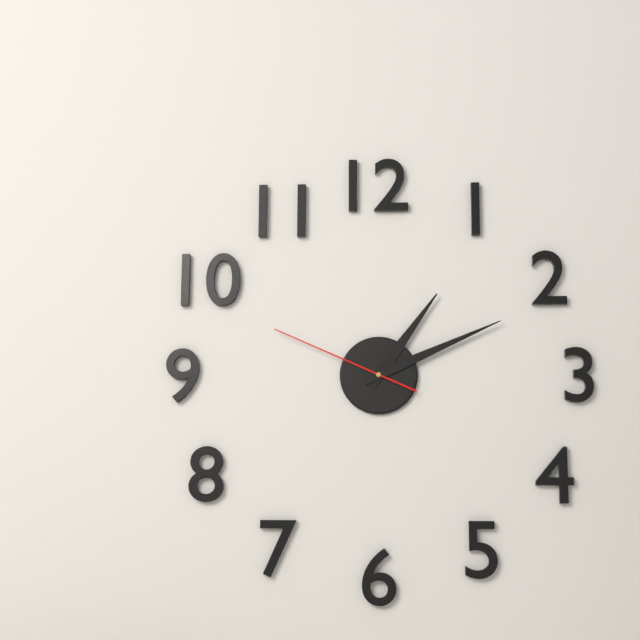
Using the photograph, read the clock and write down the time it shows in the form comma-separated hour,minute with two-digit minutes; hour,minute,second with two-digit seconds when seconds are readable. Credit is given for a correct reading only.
1,11,49
